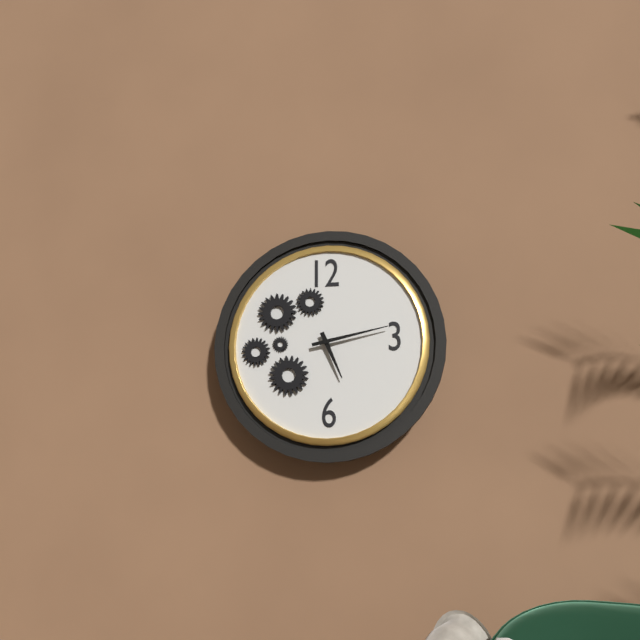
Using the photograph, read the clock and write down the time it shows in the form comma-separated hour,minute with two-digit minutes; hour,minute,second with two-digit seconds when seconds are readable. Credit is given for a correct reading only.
5,13
